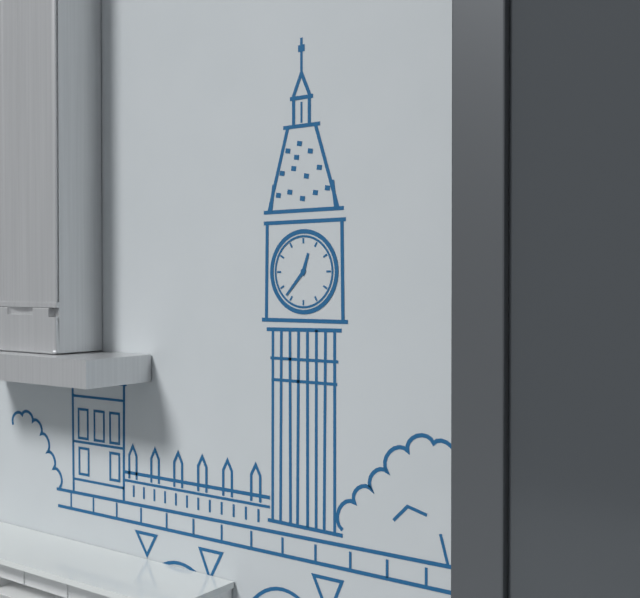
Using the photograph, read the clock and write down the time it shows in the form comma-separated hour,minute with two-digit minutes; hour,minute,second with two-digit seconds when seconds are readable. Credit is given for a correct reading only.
12,37
